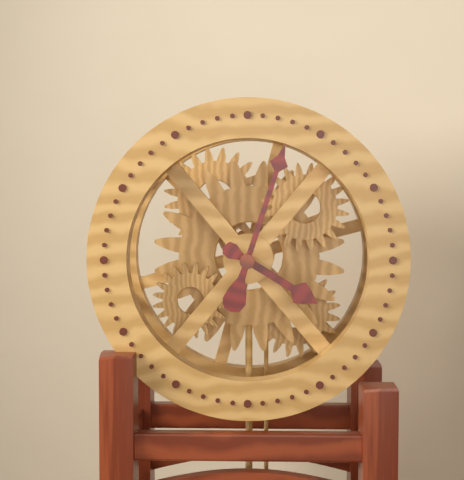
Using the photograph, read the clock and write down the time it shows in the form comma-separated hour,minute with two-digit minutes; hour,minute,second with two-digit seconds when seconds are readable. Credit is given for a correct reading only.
4,03
